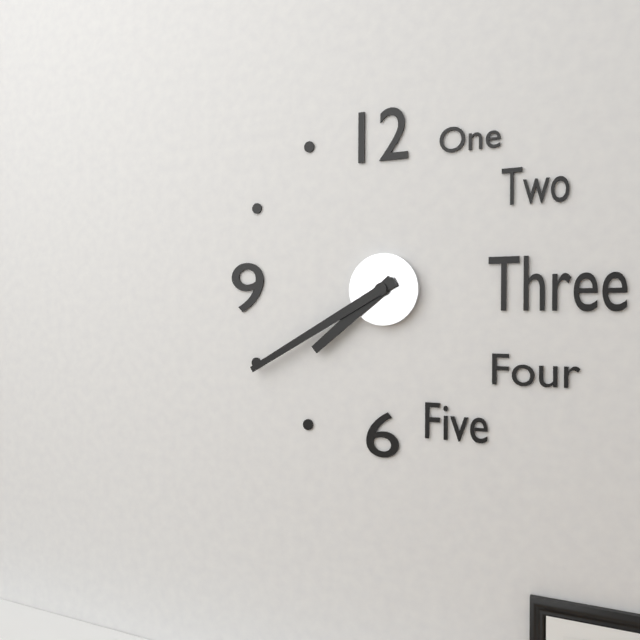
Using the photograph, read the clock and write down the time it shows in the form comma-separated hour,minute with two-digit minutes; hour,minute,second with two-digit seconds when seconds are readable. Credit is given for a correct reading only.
7,40
